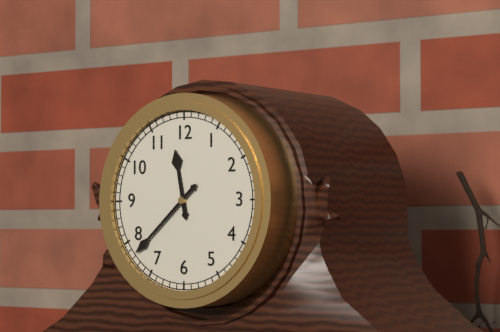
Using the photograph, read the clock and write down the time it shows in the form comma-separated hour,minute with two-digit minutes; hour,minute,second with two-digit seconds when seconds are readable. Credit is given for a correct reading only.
11,38
